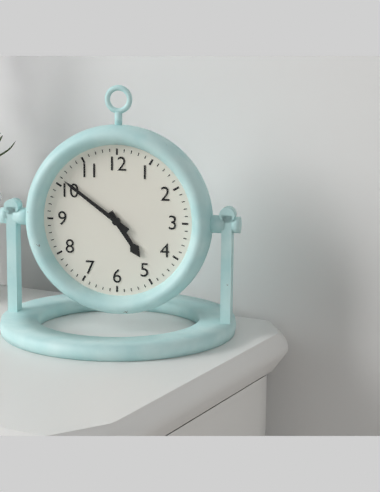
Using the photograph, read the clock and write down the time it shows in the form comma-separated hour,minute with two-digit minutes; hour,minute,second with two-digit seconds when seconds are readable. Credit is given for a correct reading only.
4,51
